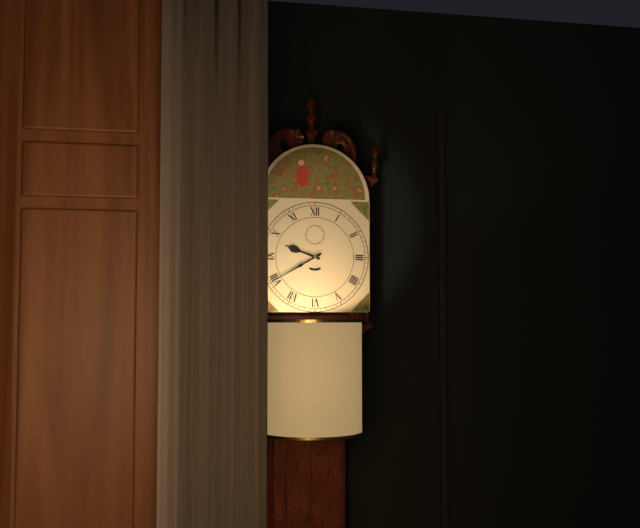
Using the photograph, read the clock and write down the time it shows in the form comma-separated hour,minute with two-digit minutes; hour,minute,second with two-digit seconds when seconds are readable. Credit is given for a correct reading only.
9,40
